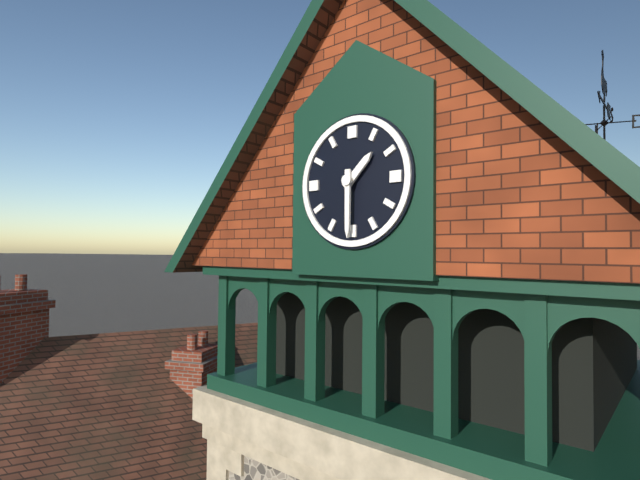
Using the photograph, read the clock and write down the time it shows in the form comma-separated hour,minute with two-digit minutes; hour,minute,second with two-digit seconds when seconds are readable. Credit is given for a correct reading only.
1,30
